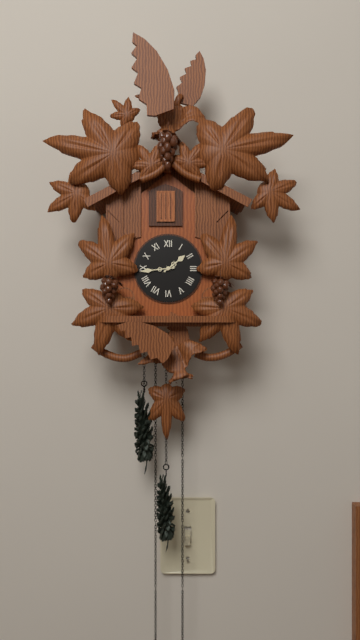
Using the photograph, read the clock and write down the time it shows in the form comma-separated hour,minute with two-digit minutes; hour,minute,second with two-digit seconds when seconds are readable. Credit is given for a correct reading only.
1,44
